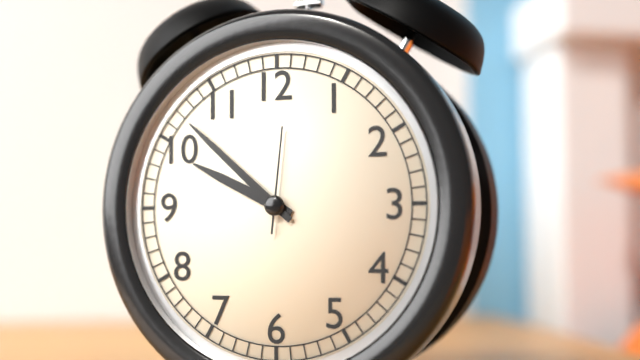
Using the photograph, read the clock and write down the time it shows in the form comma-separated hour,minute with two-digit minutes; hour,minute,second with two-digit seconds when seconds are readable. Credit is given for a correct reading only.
9,52,01
